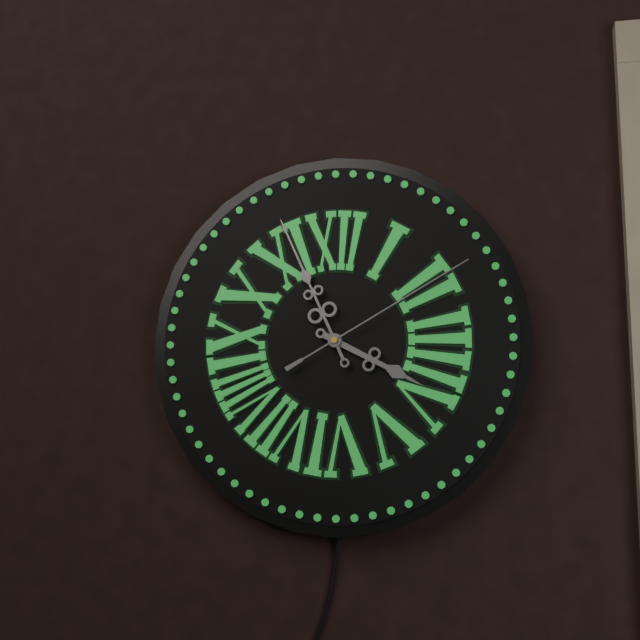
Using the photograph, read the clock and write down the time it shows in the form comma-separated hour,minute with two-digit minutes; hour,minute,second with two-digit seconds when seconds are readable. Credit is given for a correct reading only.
3,56,10
